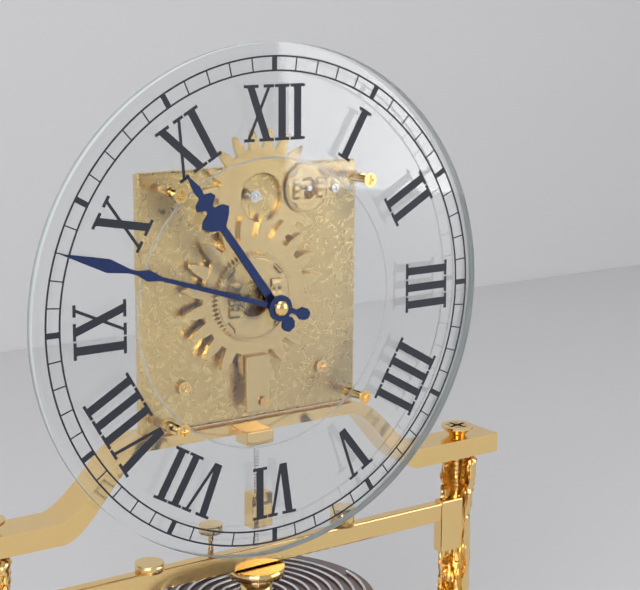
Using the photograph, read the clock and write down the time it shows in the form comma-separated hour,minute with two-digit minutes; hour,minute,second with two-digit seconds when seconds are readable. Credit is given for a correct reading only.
10,48
